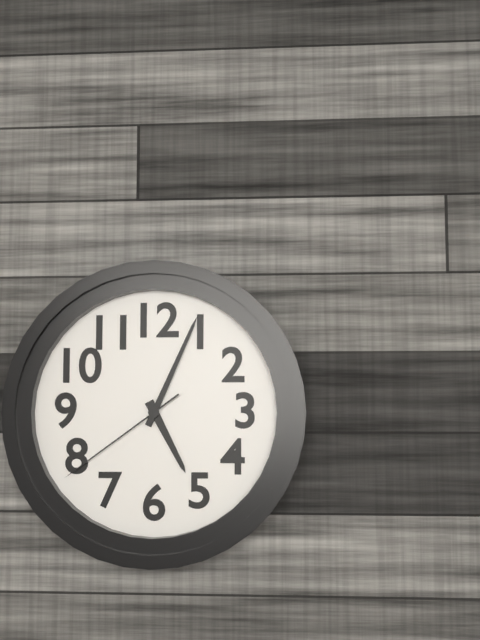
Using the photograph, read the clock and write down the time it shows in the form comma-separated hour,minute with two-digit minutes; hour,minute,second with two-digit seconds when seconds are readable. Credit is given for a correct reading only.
5,04,39
